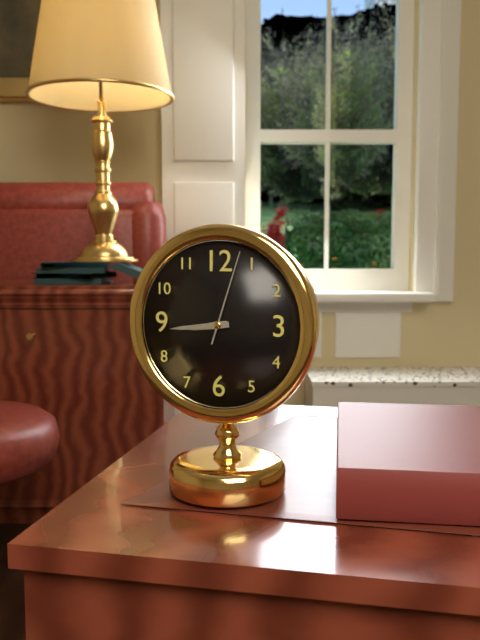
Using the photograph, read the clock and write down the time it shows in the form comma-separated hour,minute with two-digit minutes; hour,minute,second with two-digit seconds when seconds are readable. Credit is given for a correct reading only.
8,44,03
